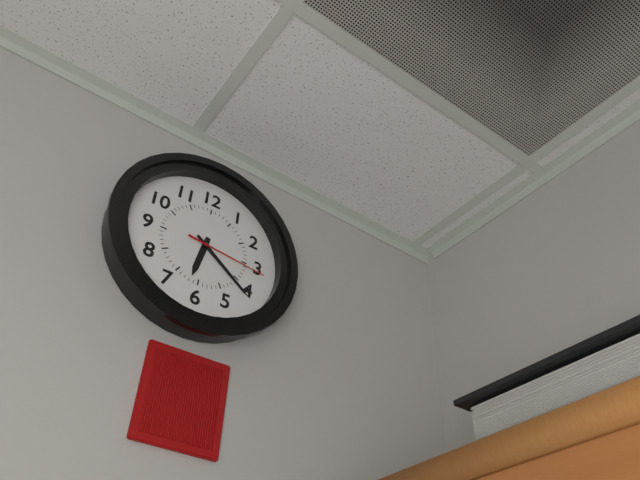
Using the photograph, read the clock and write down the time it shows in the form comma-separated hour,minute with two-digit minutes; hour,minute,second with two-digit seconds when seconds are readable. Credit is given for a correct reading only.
6,21,16
